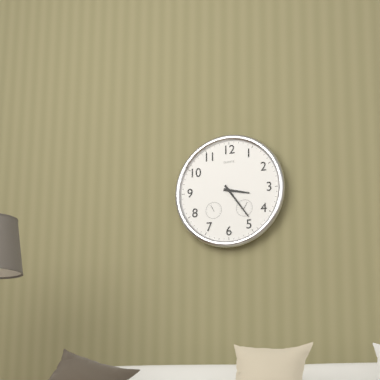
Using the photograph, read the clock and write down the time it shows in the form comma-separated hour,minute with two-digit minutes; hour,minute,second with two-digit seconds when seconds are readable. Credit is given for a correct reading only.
3,24
